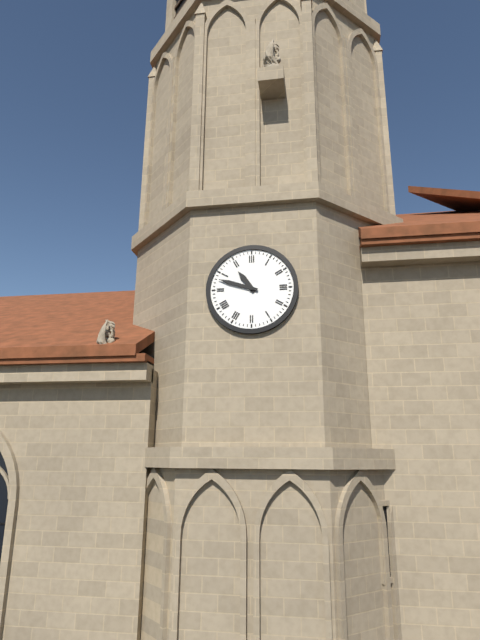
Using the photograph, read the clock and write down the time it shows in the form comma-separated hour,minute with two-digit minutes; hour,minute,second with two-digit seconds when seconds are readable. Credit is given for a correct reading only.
10,48
